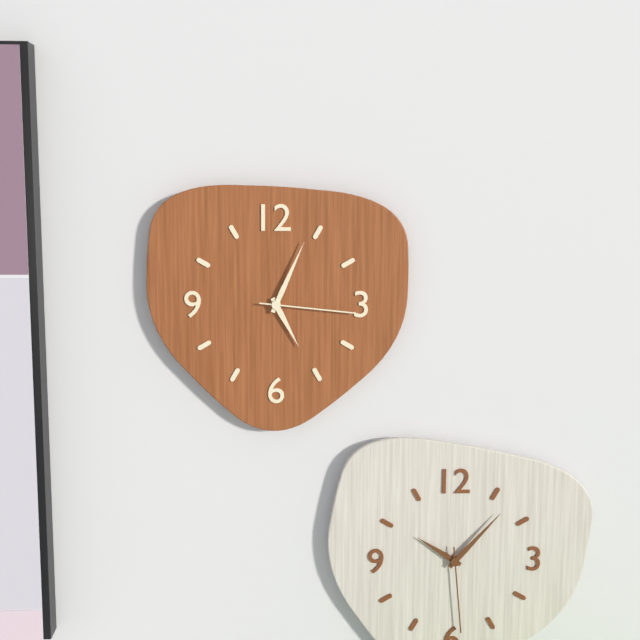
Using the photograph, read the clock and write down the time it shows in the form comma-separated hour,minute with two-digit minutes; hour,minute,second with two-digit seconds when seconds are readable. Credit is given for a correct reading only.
5,04,16
